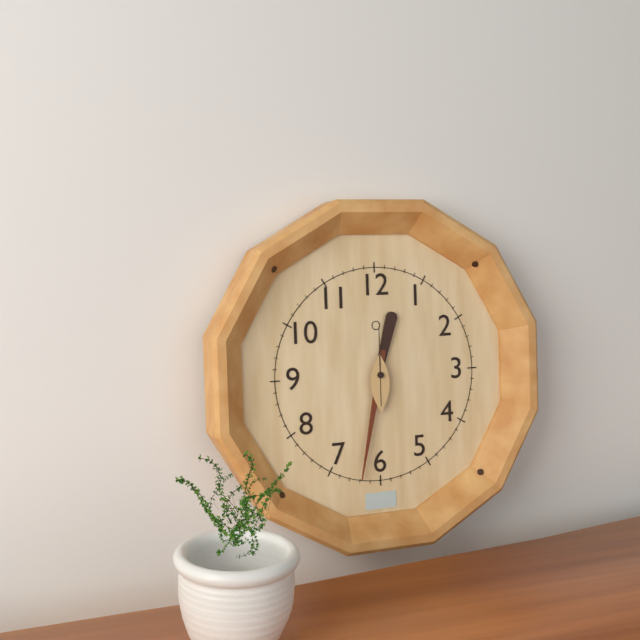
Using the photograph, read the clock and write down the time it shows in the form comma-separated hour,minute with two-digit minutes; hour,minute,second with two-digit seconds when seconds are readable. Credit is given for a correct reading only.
12,32,00
